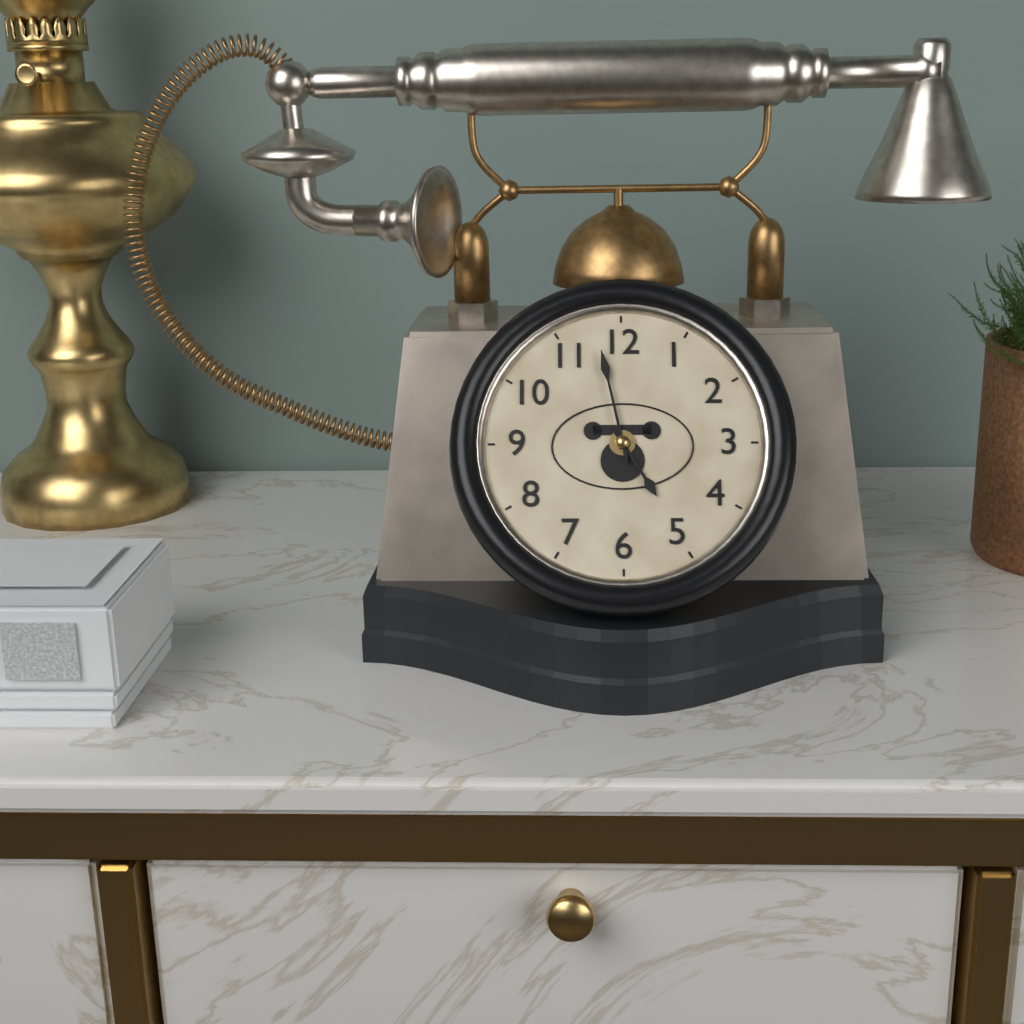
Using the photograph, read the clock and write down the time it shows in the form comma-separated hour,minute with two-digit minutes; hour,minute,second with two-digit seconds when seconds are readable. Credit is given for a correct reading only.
4,58
